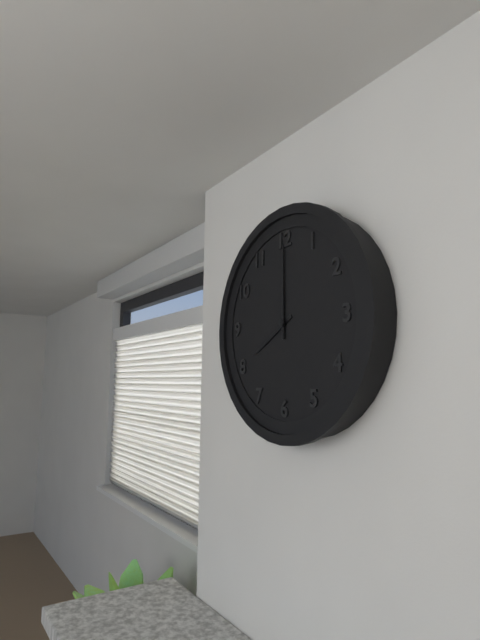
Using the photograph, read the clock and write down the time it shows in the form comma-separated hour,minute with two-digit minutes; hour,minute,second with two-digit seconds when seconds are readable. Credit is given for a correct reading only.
8,00
